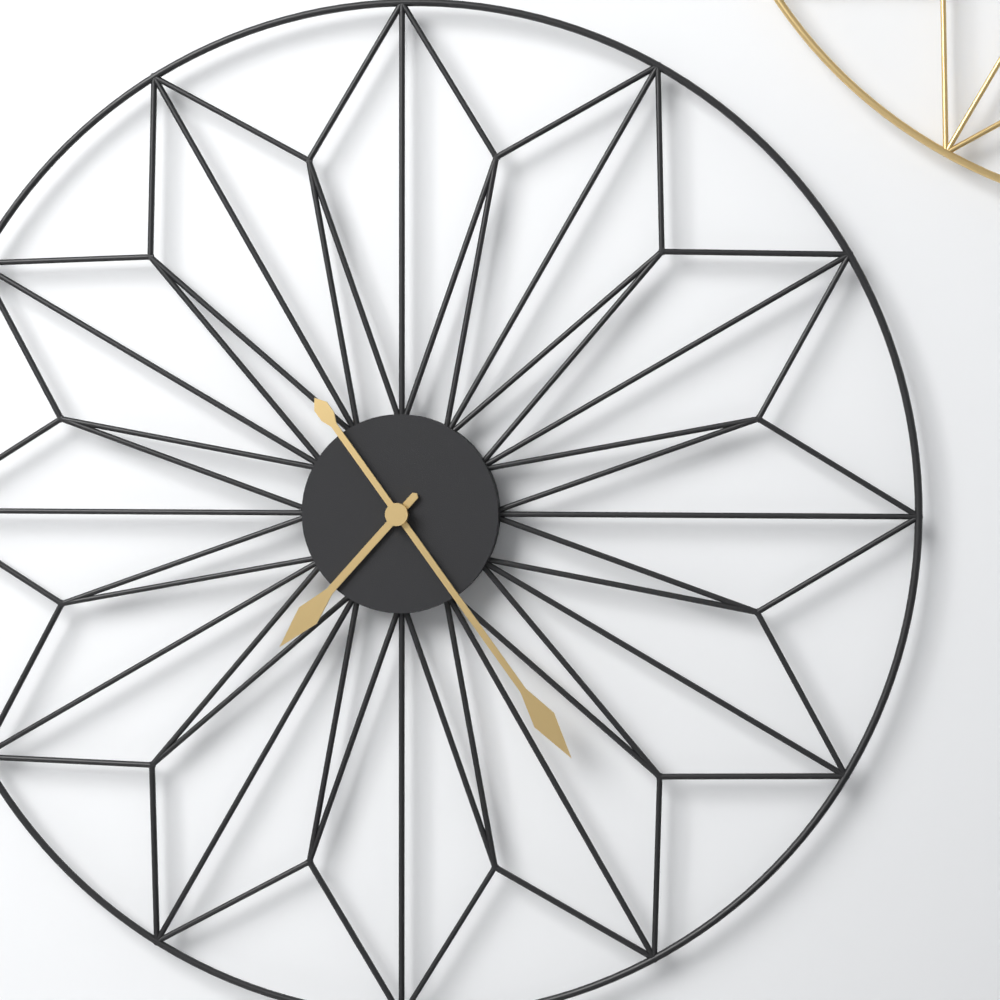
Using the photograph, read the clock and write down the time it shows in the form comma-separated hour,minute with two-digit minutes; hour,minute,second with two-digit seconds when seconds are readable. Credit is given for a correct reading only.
7,24
